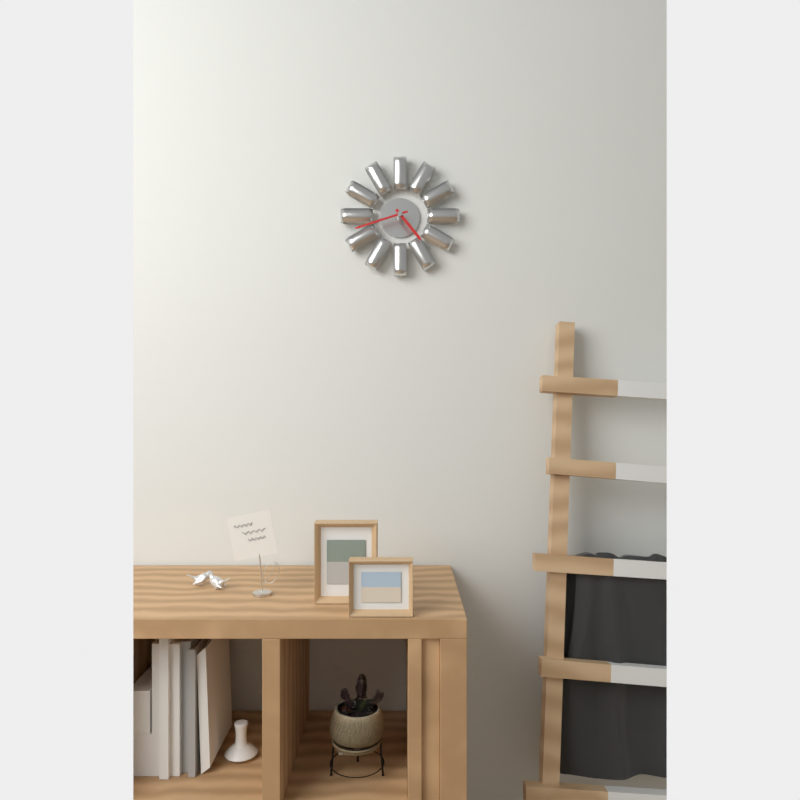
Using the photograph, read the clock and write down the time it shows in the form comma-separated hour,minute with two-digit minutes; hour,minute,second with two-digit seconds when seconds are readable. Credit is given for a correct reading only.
4,42
